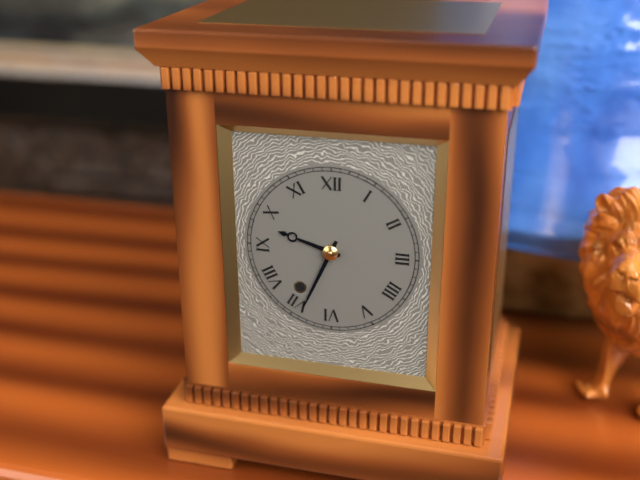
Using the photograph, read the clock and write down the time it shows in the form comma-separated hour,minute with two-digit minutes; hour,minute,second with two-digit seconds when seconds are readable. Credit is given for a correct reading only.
9,34
